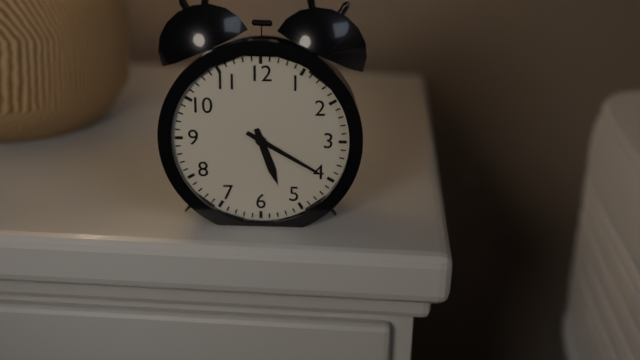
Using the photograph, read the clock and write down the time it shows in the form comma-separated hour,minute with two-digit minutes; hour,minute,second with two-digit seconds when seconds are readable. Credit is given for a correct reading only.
5,20
